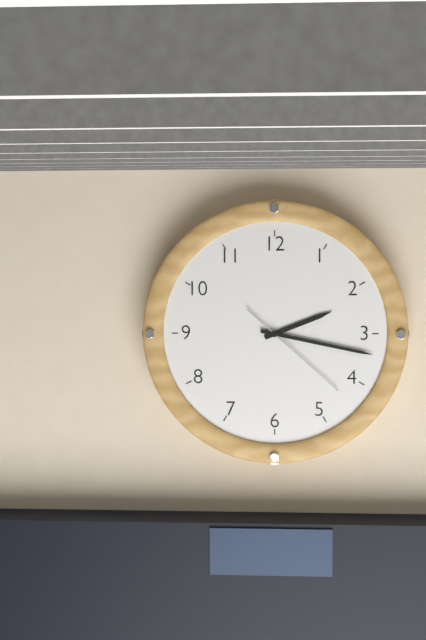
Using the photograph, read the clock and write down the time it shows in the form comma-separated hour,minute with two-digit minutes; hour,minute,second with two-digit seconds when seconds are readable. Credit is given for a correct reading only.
2,17,22
